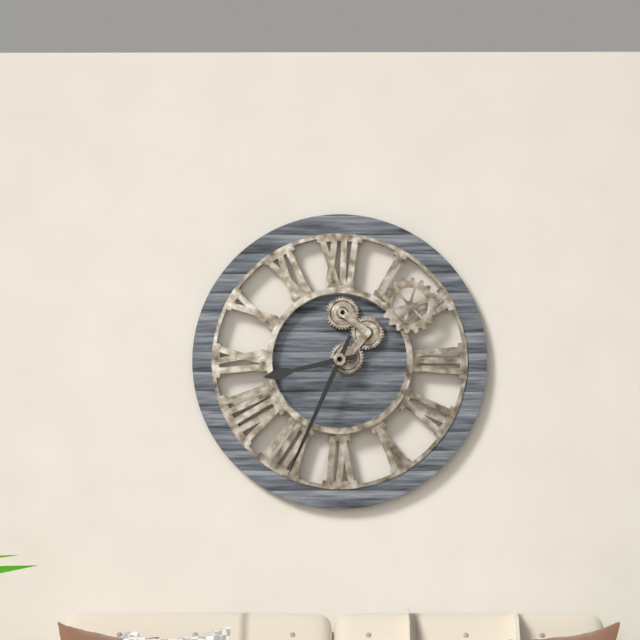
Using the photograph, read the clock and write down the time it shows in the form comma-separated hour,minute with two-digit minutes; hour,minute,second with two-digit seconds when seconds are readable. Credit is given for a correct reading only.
8,34
